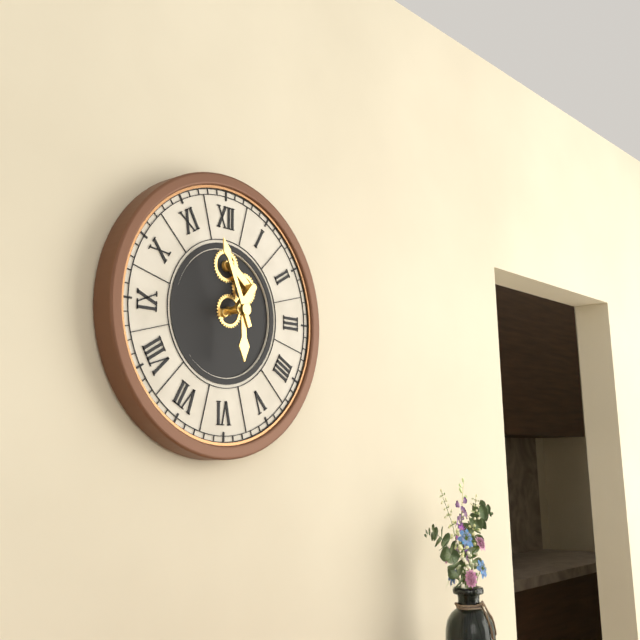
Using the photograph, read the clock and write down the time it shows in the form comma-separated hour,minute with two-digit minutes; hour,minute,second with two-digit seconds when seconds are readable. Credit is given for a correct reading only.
5,56
